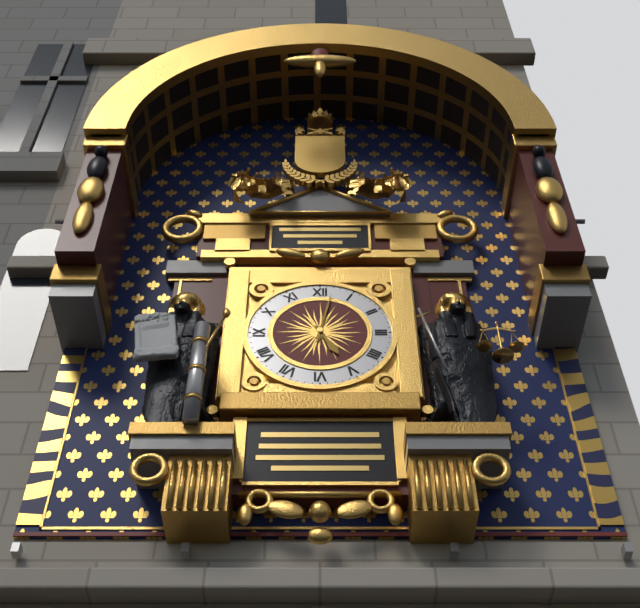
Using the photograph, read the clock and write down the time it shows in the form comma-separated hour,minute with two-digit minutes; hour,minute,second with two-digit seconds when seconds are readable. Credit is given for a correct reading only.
5,02
